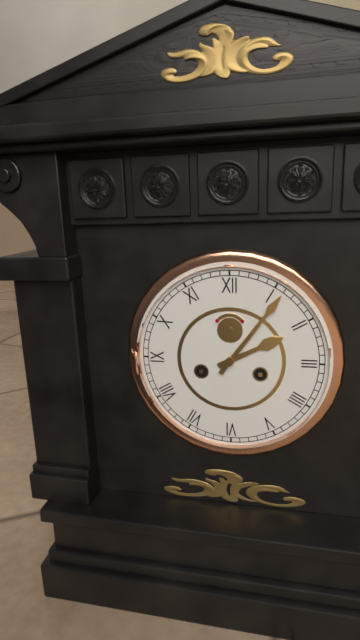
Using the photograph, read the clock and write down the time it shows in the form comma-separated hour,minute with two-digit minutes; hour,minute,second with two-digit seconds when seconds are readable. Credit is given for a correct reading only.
2,06
